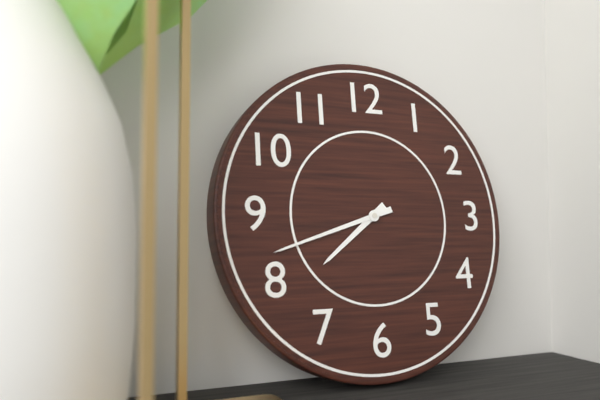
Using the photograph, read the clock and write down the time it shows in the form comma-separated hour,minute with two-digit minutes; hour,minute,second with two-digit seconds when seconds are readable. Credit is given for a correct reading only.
7,42
